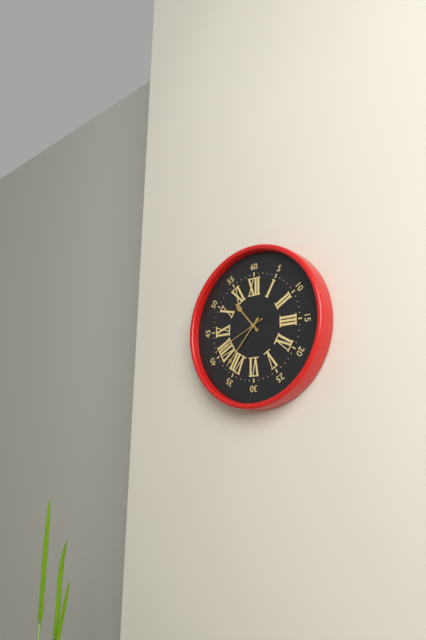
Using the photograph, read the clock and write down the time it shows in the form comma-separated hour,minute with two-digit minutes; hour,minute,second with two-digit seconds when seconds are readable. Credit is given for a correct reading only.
10,37,41
